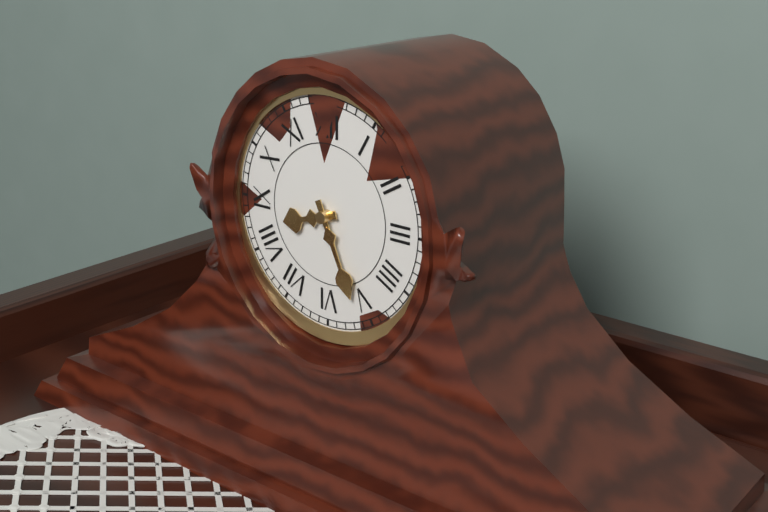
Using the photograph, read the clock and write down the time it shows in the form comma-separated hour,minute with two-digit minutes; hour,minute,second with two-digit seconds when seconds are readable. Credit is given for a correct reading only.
8,26
